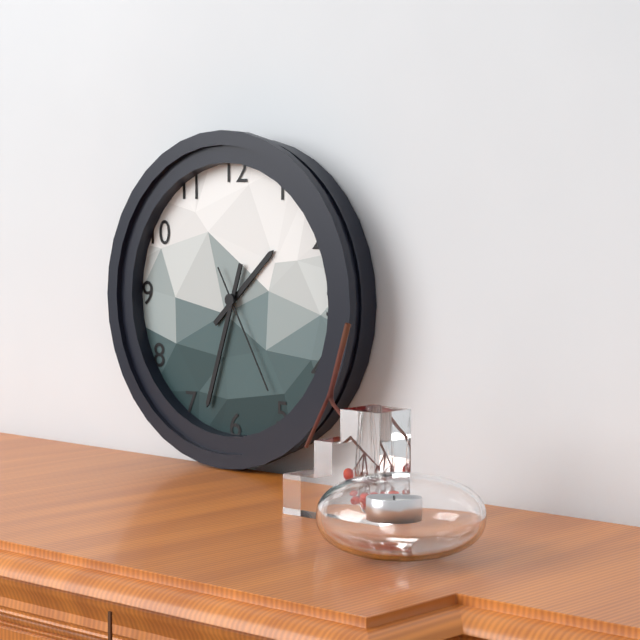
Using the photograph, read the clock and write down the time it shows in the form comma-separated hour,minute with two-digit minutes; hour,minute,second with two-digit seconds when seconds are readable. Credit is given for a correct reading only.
1,33,25
